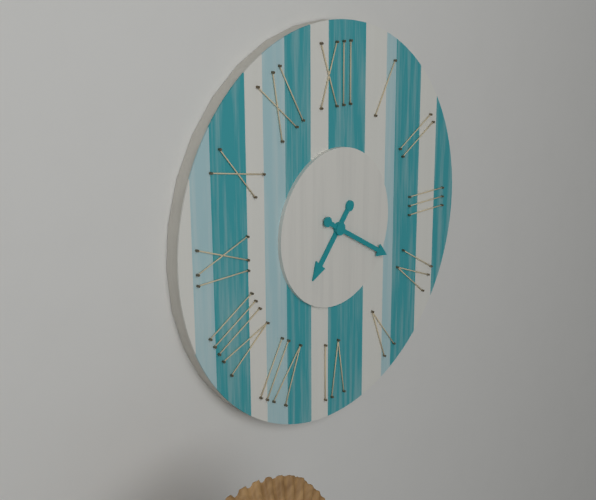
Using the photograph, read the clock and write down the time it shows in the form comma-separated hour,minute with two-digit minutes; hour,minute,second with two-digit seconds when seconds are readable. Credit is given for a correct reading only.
7,20
